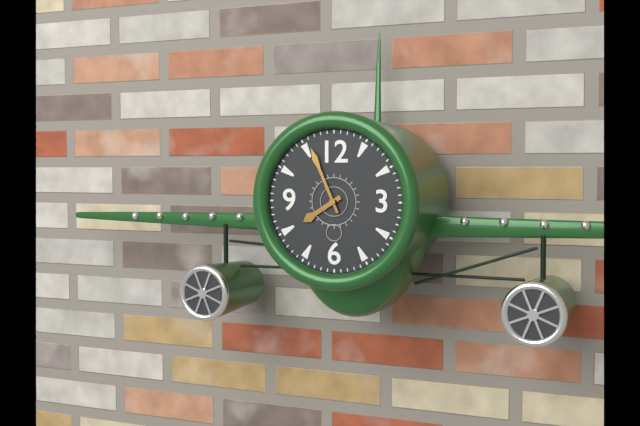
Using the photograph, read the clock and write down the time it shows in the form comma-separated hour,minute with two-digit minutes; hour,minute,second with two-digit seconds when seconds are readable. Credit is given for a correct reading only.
7,56
